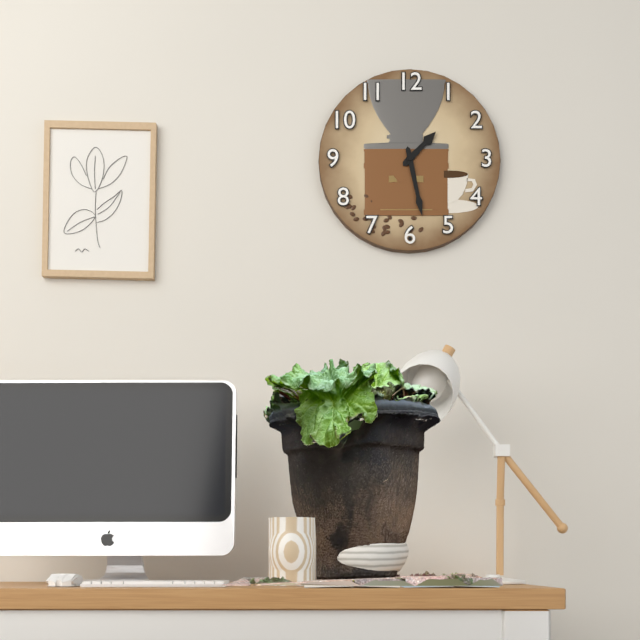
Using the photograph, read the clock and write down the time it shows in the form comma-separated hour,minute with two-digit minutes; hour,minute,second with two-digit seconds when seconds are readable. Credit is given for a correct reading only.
1,28
